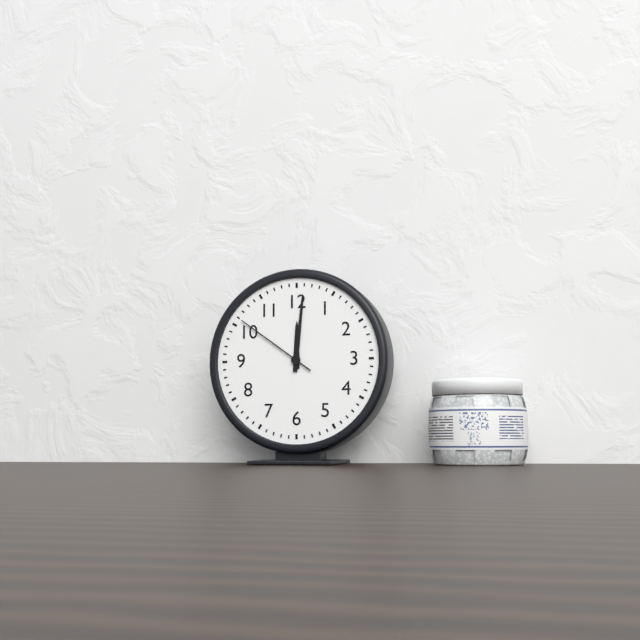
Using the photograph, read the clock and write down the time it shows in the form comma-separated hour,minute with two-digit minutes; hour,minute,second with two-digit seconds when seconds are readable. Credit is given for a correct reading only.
12,01,51
